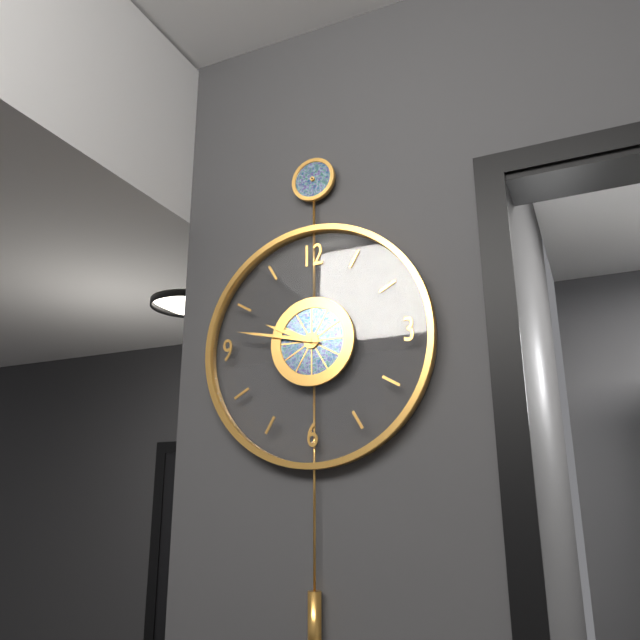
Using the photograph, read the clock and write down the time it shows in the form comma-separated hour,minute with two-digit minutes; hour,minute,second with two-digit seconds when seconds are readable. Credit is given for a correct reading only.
9,47
